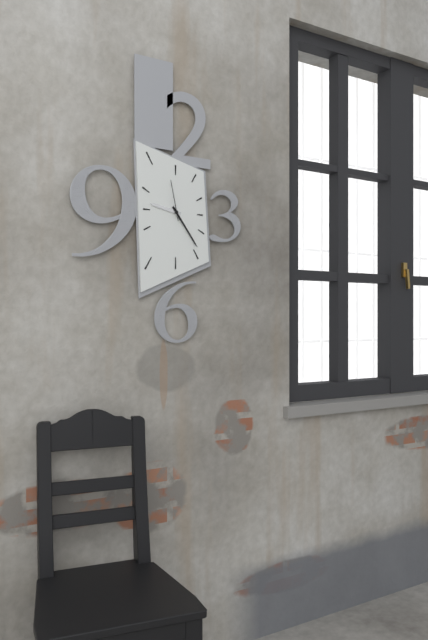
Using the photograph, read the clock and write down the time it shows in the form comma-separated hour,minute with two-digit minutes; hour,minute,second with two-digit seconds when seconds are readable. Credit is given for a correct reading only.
9,24
